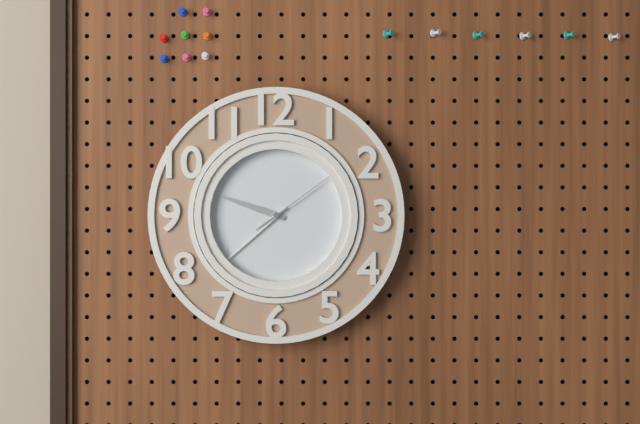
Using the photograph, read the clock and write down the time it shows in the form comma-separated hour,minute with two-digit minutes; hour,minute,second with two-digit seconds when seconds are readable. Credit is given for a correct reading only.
9,38,09
